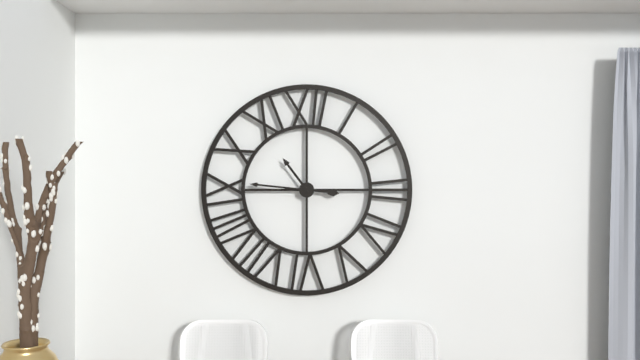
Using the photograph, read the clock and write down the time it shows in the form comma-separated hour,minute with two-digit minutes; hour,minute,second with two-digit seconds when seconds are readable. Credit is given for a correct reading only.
10,46
